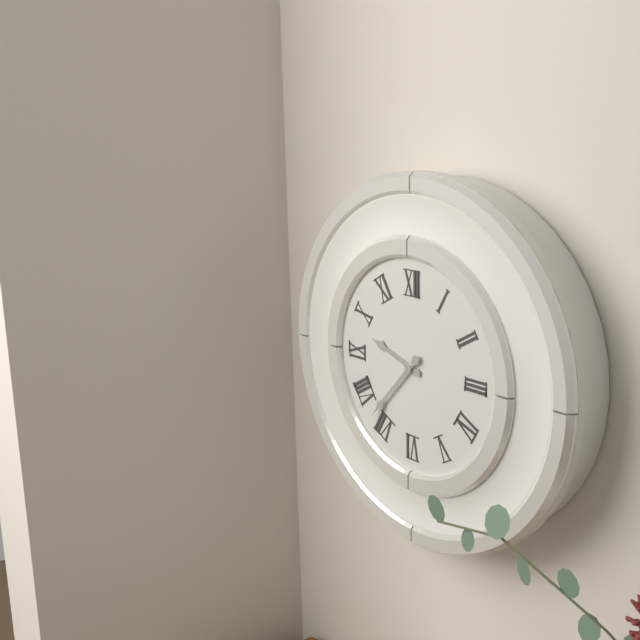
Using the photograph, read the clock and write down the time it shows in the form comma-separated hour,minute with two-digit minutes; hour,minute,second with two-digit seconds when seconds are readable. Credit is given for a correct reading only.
9,37
